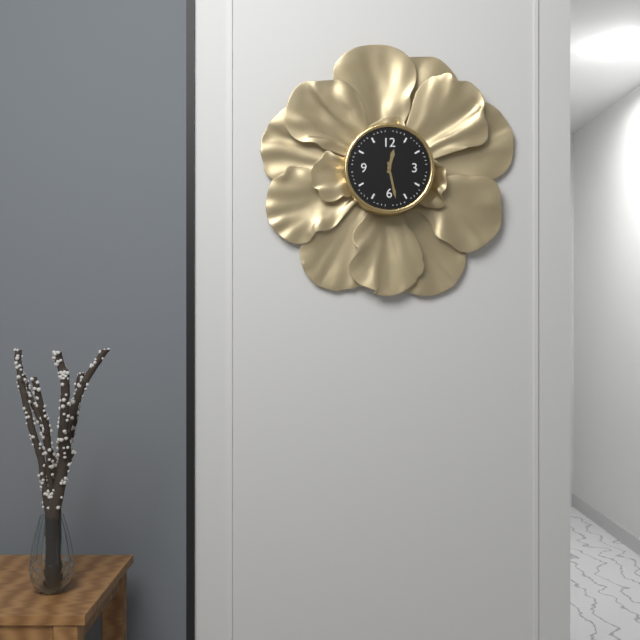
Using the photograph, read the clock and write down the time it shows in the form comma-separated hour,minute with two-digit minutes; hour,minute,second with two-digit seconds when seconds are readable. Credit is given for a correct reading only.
12,28
